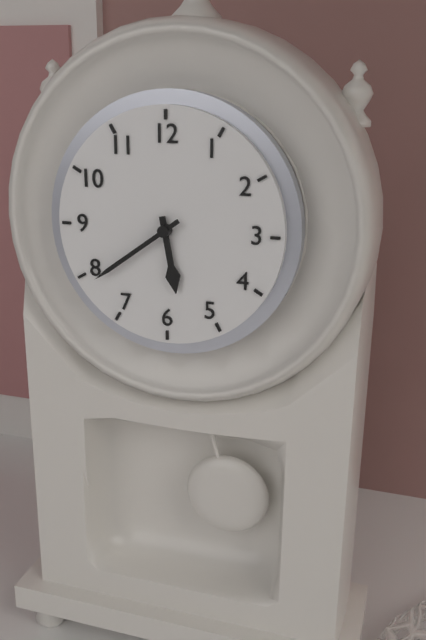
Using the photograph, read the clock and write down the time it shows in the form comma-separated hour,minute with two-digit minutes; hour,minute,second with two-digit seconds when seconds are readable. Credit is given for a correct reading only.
5,39
